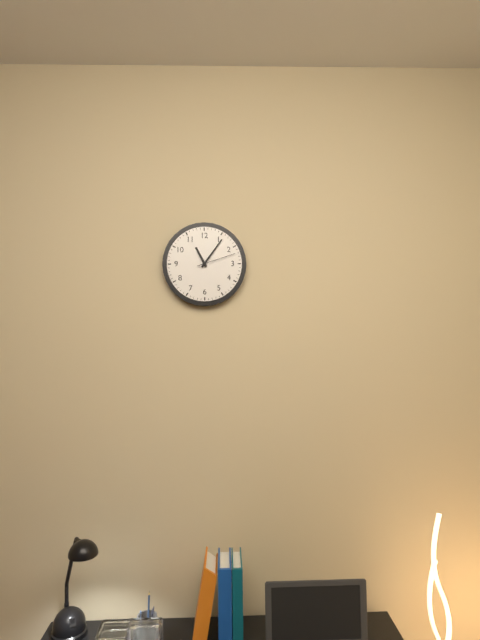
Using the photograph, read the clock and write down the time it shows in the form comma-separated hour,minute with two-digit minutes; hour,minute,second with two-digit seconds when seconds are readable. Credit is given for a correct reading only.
11,06
